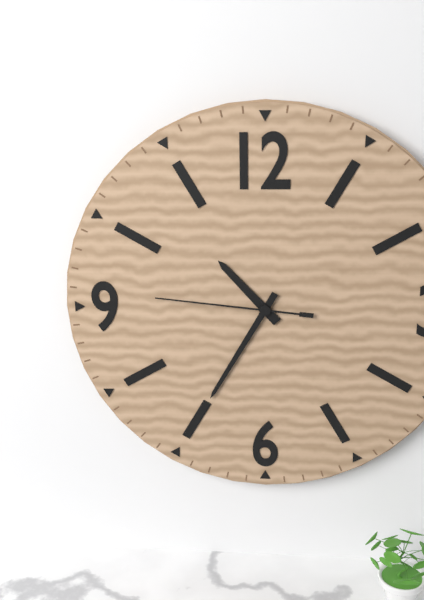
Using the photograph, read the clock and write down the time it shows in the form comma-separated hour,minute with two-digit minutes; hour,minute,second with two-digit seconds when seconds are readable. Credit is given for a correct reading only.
10,35,46
